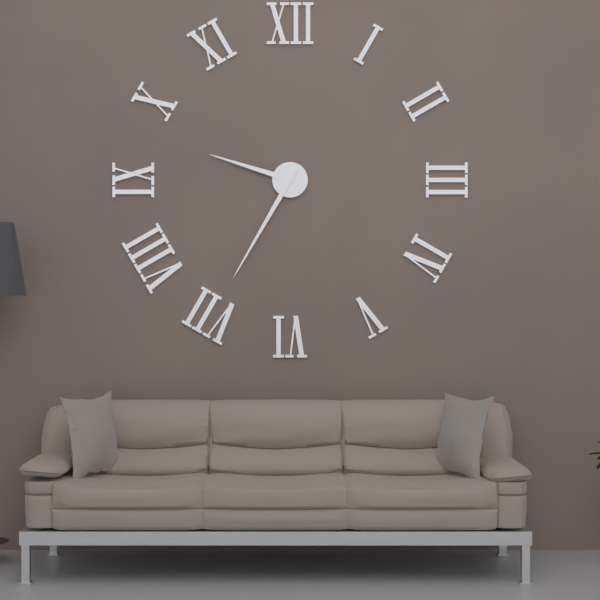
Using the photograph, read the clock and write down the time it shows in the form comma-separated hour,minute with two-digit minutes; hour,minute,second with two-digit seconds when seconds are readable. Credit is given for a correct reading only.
9,35
